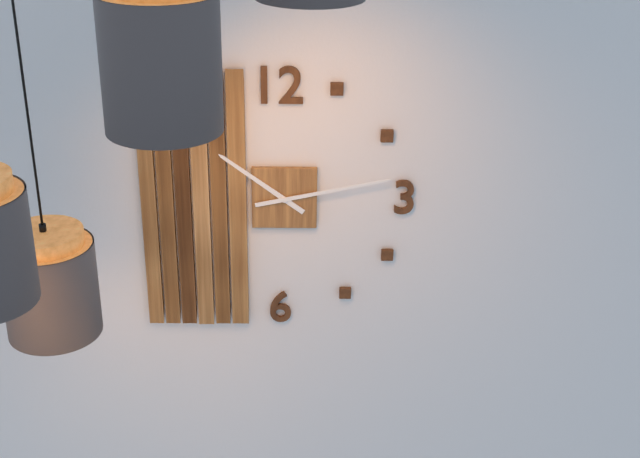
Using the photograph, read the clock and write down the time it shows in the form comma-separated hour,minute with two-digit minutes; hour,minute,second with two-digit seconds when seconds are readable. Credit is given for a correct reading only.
10,13
